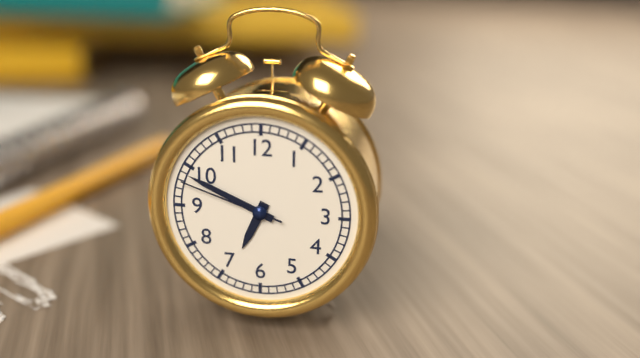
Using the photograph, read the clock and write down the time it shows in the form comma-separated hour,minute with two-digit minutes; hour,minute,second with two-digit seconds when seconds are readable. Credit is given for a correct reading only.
6,49,48
